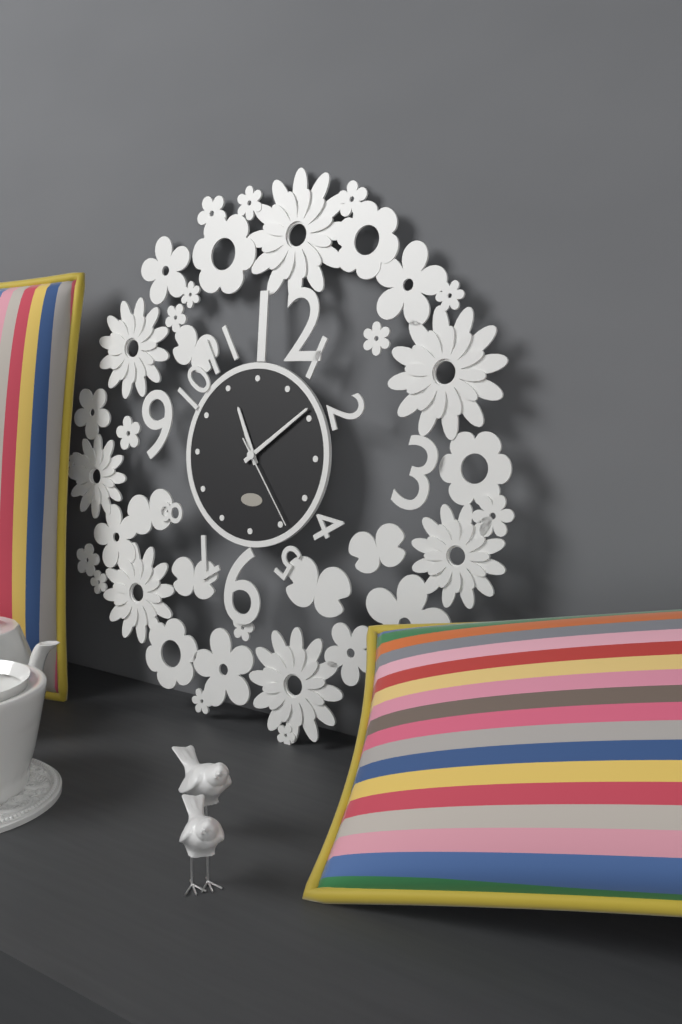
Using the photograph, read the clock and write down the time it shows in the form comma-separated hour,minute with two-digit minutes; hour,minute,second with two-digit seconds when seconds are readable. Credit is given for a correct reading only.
11,09,24
